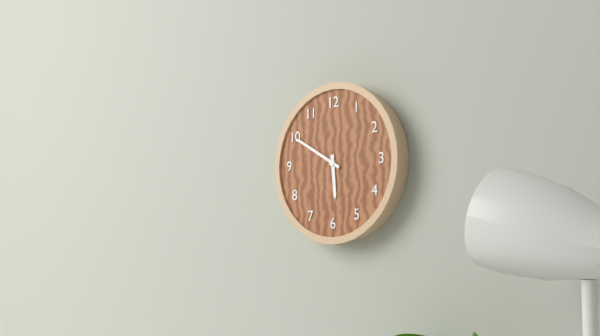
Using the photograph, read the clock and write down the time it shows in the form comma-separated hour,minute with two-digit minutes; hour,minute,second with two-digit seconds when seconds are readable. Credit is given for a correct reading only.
5,50
